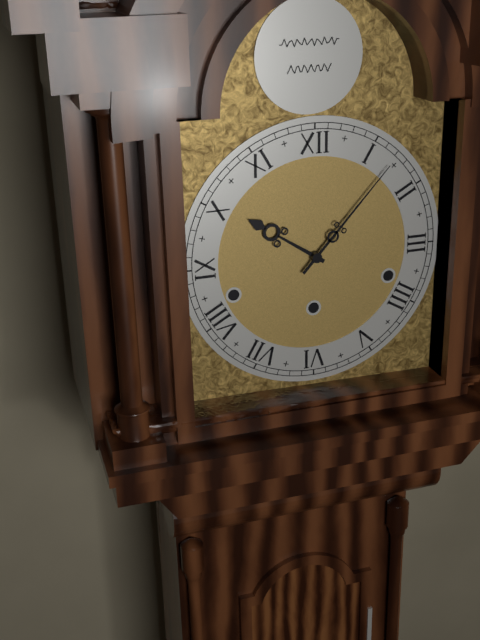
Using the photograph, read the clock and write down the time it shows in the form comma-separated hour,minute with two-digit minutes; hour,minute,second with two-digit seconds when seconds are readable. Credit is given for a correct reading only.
10,07
